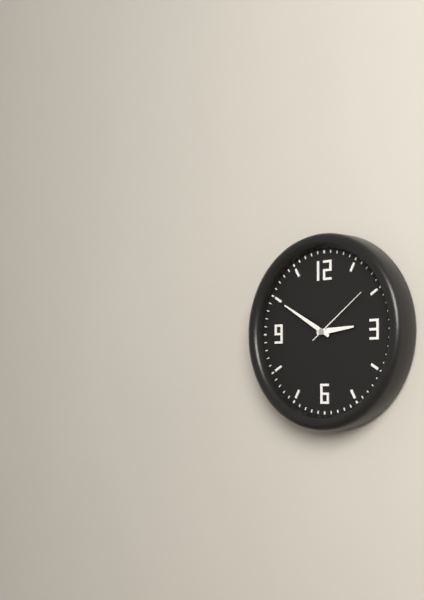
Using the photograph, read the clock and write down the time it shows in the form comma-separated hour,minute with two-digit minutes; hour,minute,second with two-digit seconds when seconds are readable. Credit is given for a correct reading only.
2,50,09
